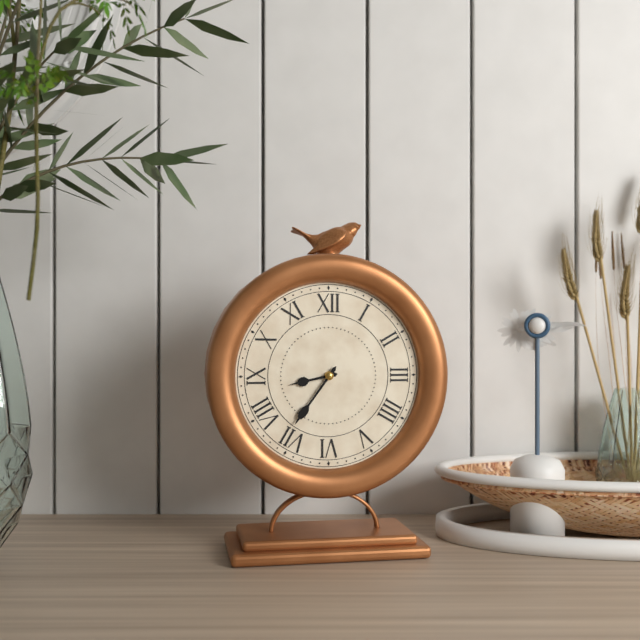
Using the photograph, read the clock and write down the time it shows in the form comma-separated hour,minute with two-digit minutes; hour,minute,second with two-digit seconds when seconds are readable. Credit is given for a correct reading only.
8,36
